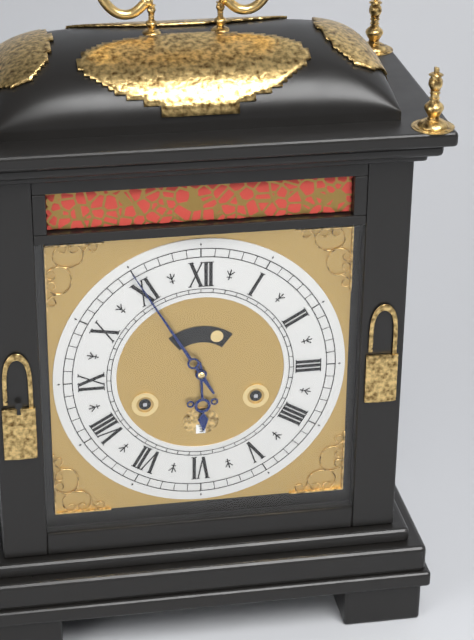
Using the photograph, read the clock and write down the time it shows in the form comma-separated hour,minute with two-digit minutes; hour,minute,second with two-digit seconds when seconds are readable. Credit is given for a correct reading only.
5,55
